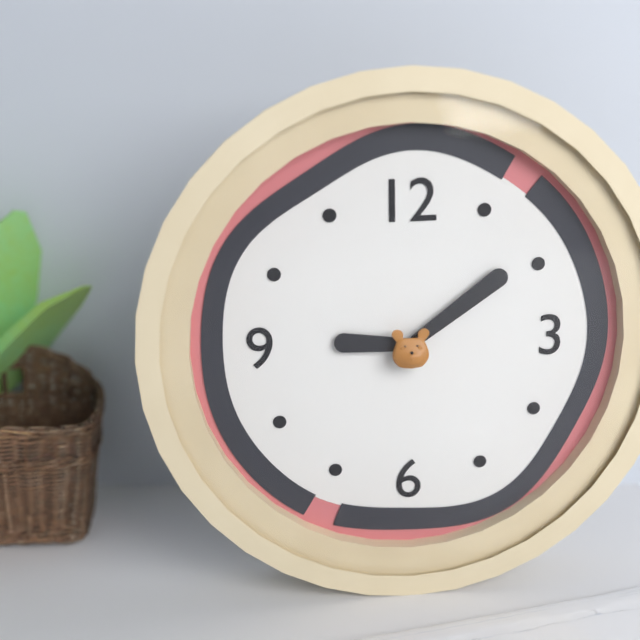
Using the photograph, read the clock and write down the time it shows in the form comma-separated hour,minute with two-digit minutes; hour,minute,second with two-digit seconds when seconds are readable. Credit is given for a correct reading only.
9,09
